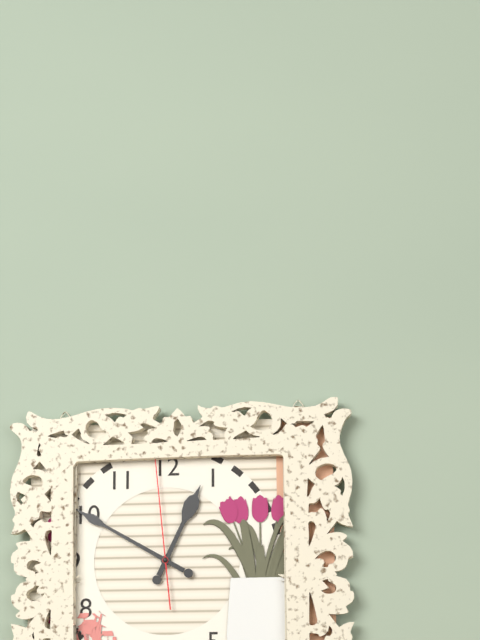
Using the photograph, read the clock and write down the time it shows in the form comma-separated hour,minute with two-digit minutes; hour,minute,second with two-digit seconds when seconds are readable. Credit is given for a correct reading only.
12,50,59
